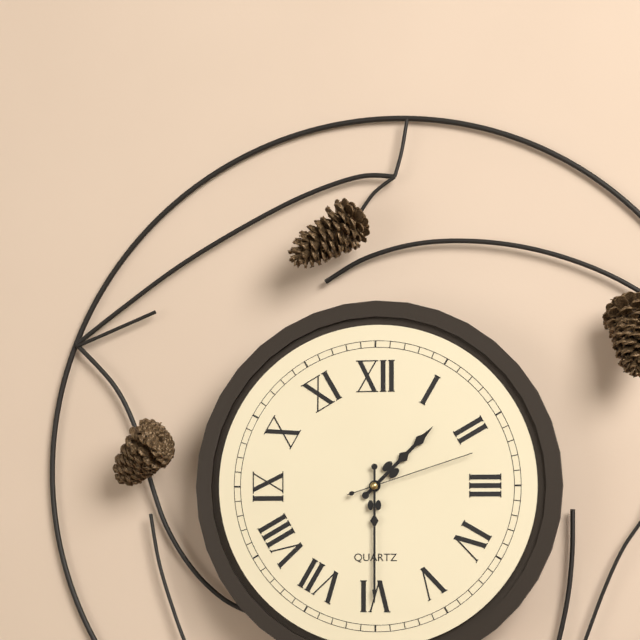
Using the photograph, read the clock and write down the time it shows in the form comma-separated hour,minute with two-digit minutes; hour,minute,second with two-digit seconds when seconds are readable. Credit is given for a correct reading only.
1,30,12
